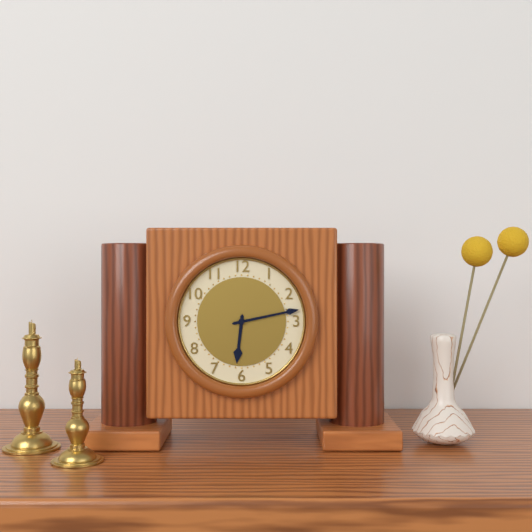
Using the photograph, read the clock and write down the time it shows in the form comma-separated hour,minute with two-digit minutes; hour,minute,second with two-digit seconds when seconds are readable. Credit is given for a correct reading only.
6,13
